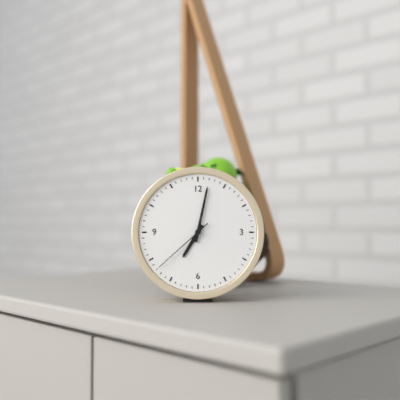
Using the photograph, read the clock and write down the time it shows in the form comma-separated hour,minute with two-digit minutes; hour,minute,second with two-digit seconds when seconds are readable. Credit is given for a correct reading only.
7,02,38
